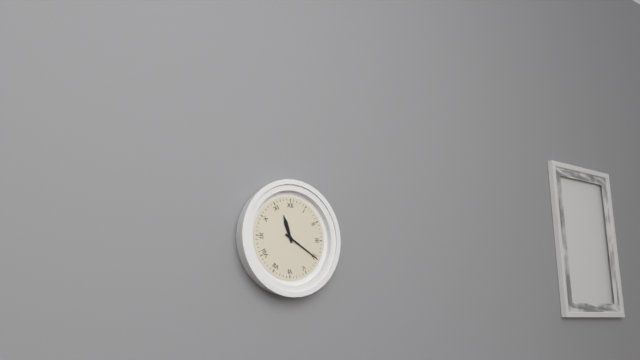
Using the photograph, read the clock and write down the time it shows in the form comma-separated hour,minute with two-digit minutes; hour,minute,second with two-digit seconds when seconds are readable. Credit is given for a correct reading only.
11,20
